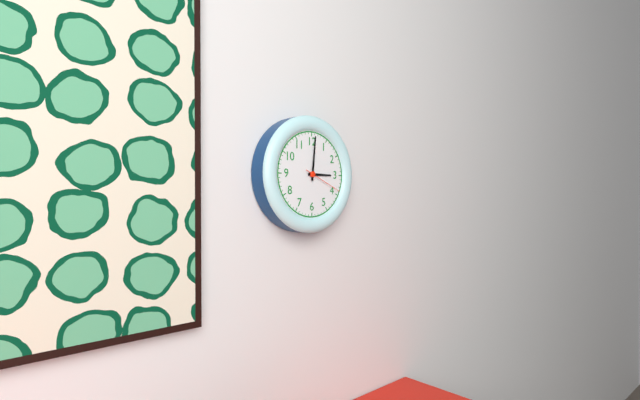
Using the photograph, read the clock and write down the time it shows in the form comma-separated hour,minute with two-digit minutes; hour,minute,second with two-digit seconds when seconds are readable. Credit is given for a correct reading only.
3,01,19
